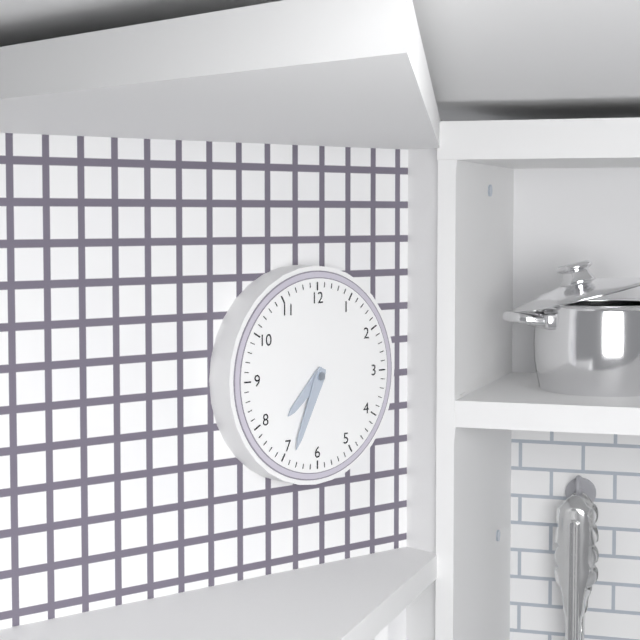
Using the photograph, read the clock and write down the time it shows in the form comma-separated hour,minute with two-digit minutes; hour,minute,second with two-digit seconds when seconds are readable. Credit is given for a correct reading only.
7,34
